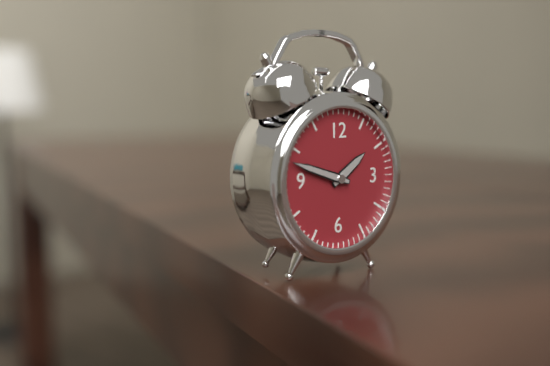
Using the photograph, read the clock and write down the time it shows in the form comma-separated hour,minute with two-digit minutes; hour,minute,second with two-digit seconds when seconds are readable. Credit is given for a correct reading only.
1,48
